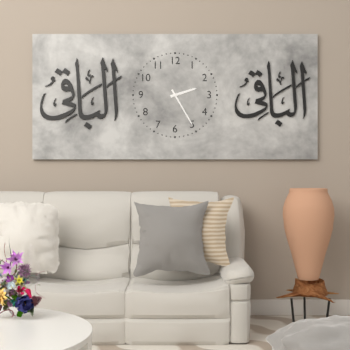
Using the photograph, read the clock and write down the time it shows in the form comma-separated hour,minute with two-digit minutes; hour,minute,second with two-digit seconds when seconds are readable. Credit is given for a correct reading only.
2,25
